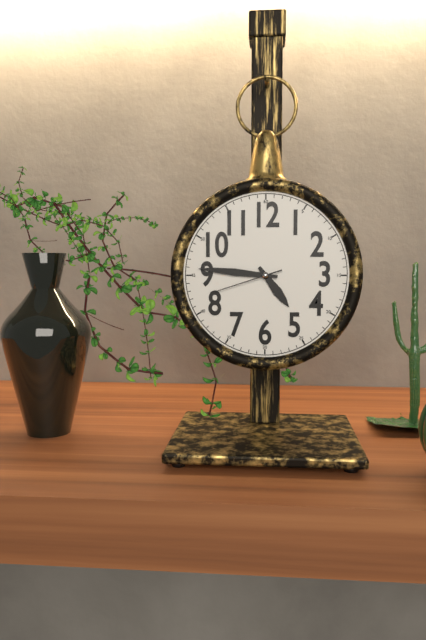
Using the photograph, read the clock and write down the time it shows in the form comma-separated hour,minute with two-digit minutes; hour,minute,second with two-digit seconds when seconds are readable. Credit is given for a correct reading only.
4,46,42
